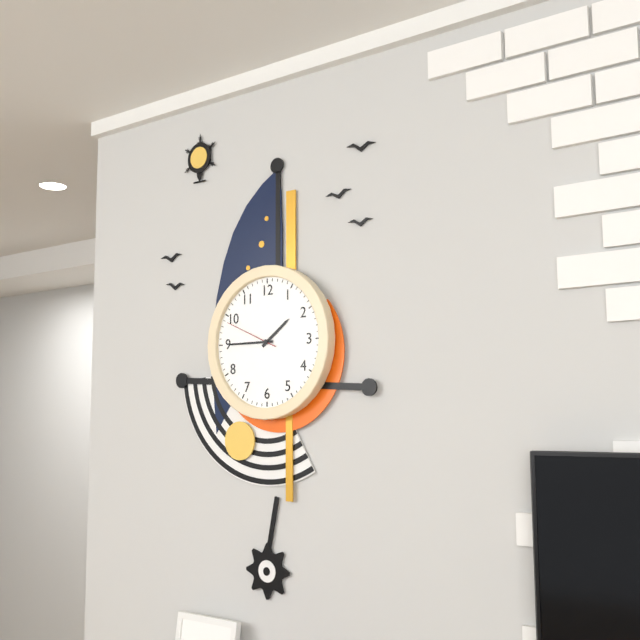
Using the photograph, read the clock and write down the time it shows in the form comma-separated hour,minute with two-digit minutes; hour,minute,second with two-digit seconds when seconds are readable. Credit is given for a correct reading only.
1,45,49
